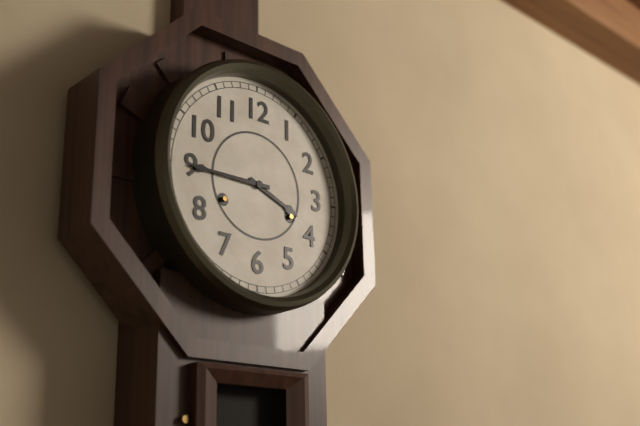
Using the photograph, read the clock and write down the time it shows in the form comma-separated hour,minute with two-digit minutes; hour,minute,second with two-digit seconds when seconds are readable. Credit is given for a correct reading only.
3,45
